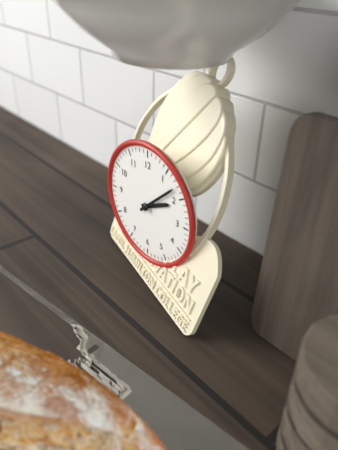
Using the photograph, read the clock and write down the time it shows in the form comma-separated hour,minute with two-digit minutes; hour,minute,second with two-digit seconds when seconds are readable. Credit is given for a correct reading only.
2,08
